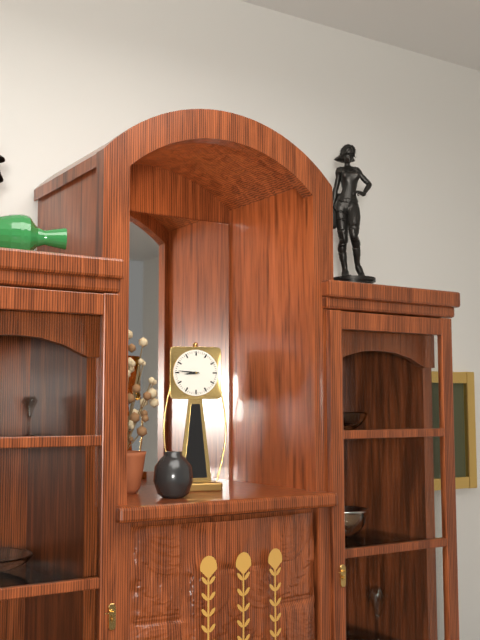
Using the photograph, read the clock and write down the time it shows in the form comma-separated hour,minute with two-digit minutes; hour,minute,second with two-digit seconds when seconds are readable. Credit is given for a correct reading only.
8,46
